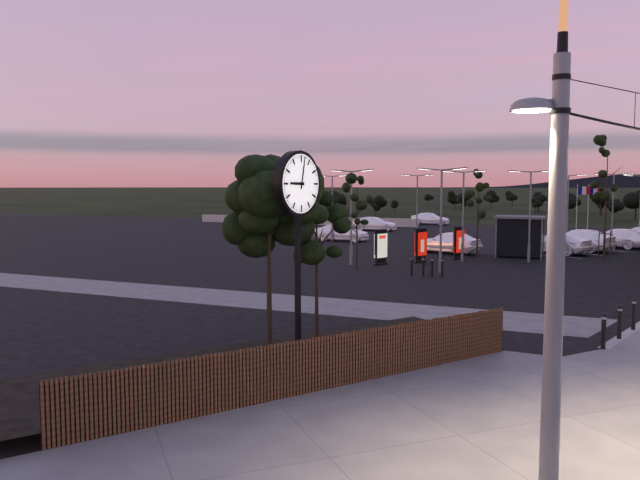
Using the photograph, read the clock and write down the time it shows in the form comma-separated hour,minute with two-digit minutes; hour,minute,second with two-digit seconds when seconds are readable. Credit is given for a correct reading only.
9,02
